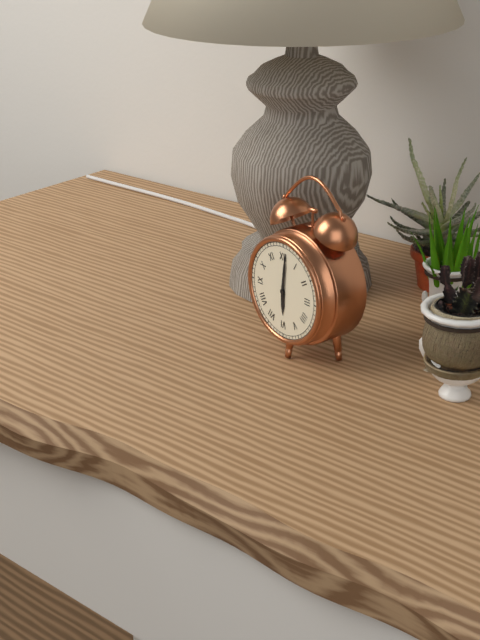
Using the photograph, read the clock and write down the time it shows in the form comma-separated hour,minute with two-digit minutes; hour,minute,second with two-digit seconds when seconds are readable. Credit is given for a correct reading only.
6,01
